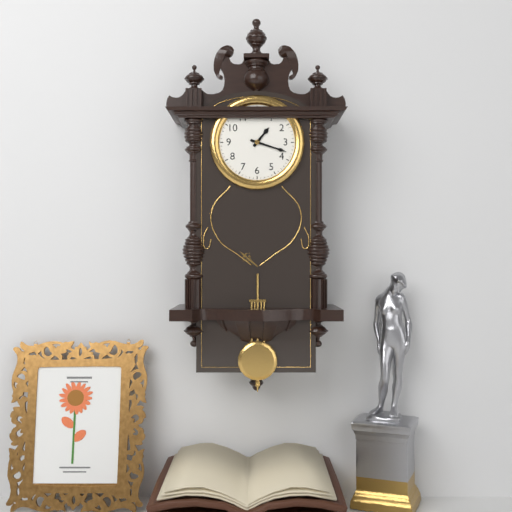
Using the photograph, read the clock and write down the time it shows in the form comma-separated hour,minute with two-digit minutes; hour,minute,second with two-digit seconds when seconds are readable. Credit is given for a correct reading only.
1,18
